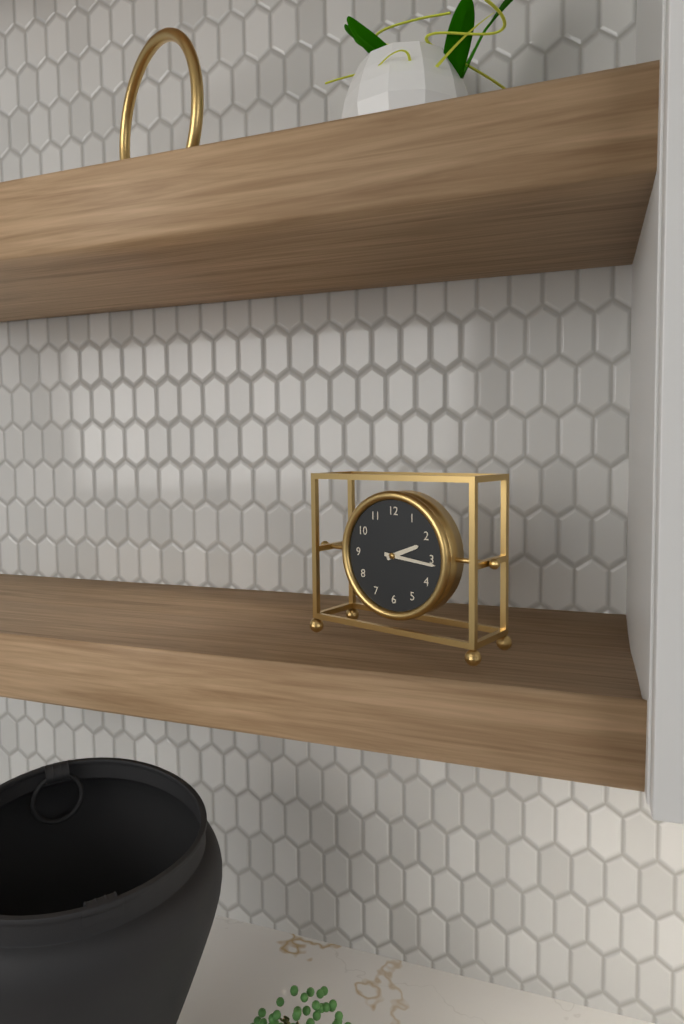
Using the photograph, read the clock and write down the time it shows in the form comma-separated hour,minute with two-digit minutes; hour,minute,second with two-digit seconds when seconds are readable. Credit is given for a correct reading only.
2,16
